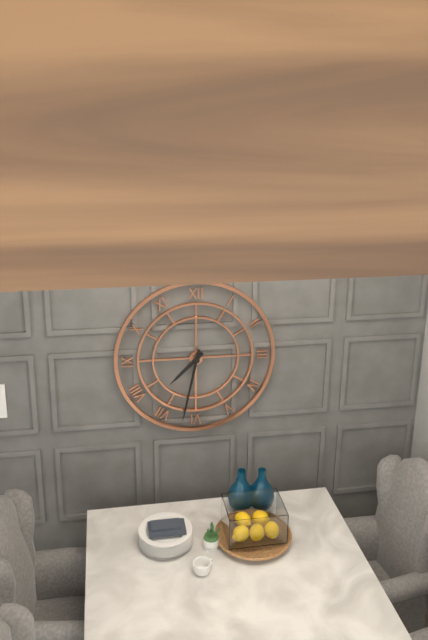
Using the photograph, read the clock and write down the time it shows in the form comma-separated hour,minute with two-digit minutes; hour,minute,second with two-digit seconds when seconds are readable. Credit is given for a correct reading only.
7,32
